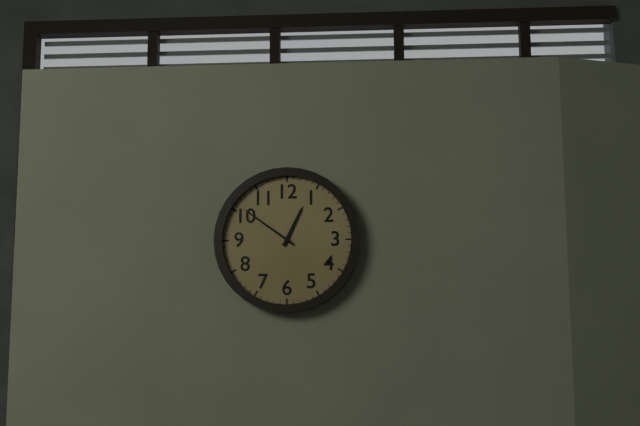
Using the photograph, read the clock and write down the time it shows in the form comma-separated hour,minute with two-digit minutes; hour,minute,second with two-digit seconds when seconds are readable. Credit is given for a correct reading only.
12,51
